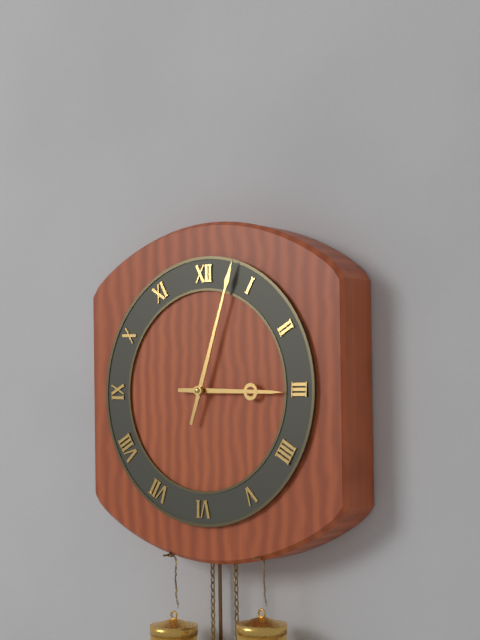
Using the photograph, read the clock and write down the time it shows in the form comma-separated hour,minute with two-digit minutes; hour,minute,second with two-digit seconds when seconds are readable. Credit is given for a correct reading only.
3,03
